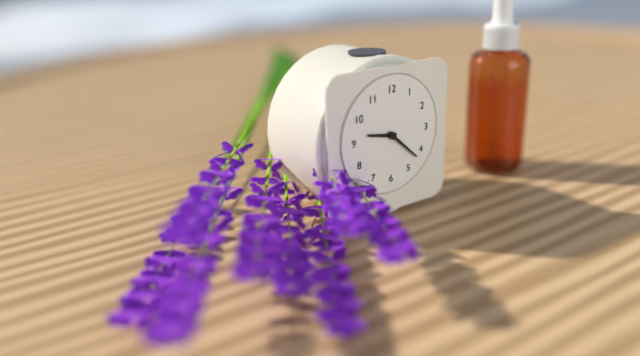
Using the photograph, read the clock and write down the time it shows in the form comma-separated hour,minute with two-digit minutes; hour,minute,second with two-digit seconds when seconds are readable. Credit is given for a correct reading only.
9,22
